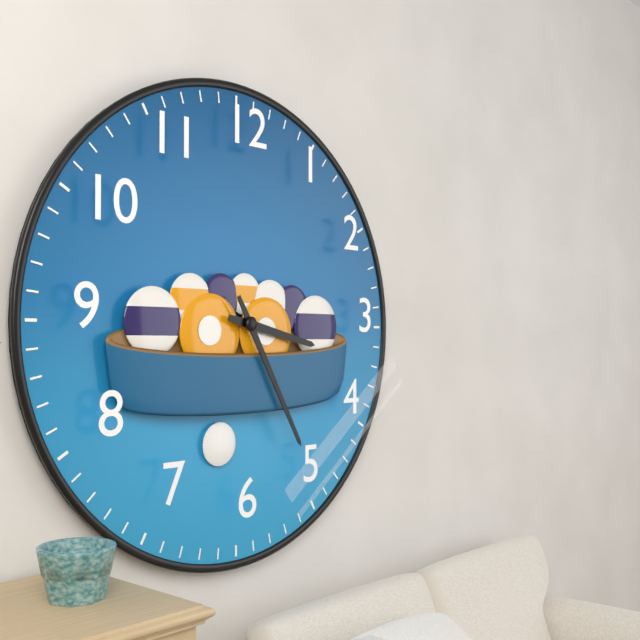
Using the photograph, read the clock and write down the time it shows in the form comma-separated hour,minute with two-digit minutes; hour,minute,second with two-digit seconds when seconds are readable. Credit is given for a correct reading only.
3,25
